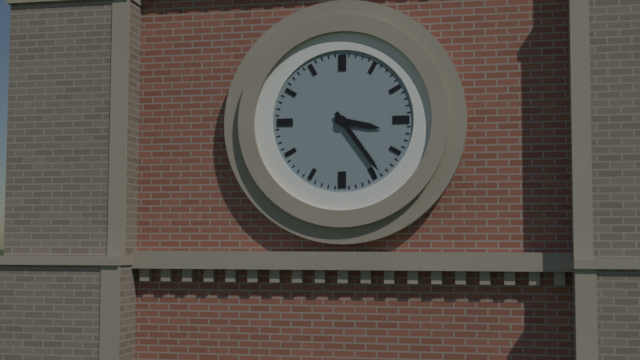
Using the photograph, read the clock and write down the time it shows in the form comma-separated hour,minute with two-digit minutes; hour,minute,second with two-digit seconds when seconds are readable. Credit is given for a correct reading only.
3,24
